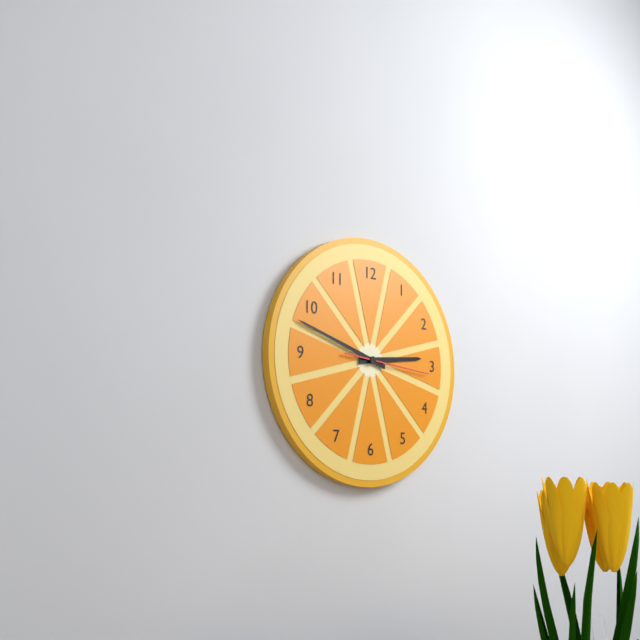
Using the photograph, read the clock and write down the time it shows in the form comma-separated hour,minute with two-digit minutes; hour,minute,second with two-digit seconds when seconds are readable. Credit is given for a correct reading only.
2,48,16
